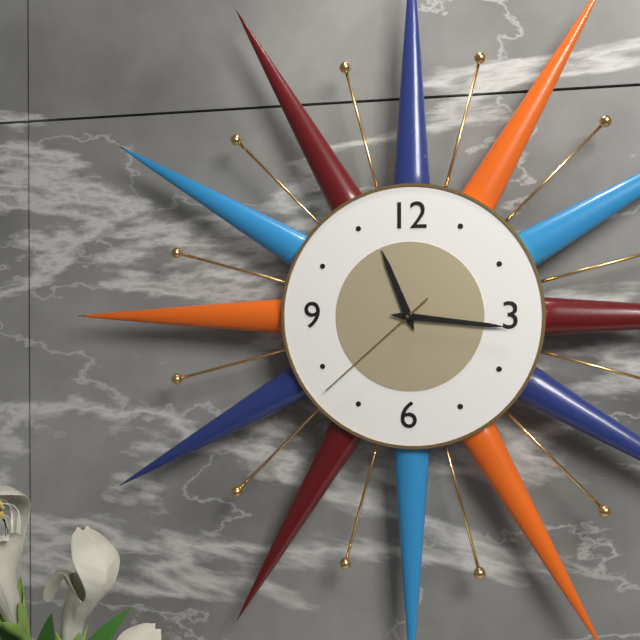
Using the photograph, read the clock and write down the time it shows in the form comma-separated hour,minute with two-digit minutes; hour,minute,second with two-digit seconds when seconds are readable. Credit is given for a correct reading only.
11,16,38
